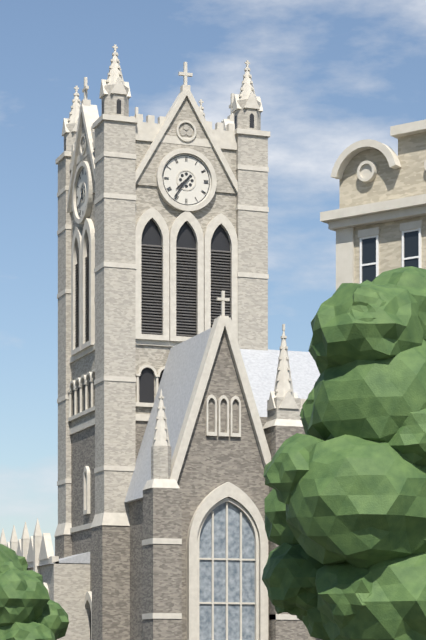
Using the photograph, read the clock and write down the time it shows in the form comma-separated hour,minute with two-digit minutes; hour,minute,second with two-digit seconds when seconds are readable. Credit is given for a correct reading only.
7,36
